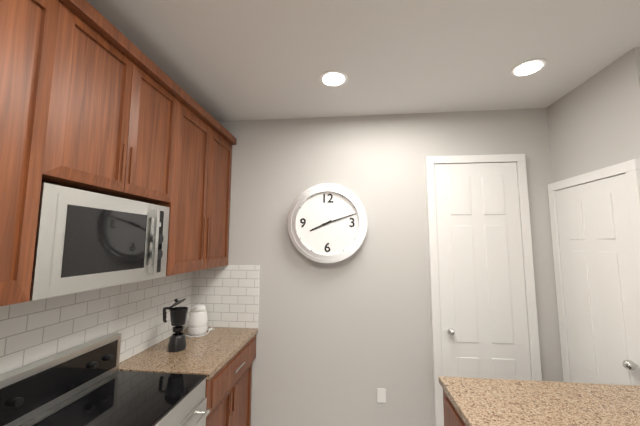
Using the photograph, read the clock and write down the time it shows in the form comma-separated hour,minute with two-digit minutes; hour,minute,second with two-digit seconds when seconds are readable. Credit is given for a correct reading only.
8,12
